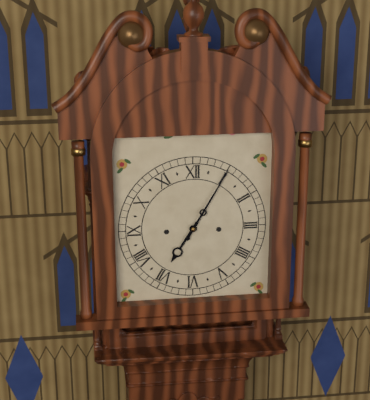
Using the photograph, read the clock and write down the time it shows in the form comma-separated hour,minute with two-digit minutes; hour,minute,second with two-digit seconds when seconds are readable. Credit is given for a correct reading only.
7,05
